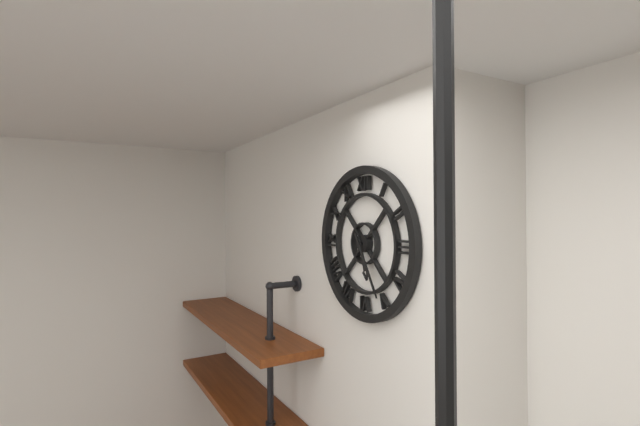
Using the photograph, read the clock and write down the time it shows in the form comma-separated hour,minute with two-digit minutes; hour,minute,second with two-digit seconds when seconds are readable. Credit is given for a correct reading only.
5,25
